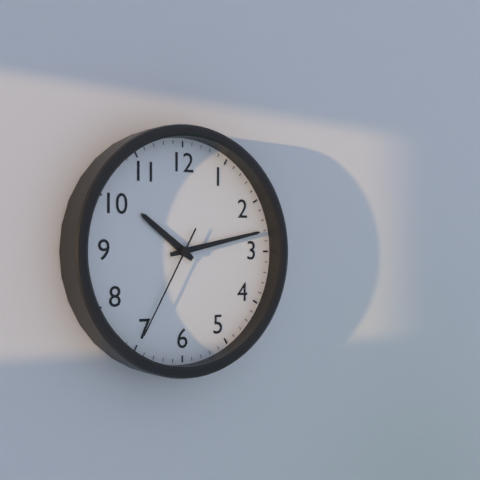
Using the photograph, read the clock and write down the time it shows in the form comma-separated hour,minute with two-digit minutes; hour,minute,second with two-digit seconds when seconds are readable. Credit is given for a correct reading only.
10,13,35
